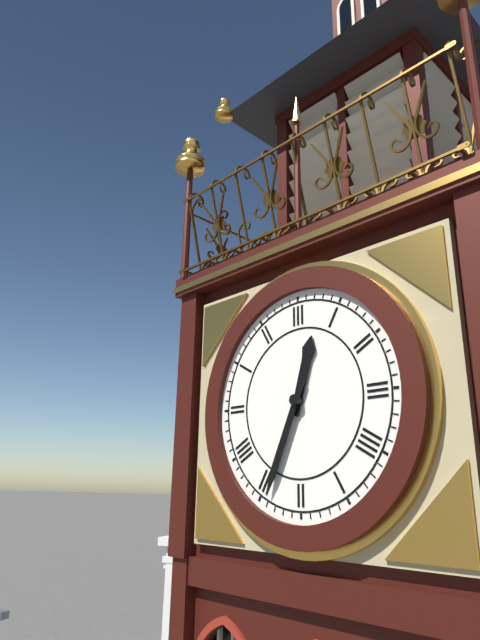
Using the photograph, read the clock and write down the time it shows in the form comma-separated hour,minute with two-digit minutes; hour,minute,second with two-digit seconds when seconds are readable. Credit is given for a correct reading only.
12,34
